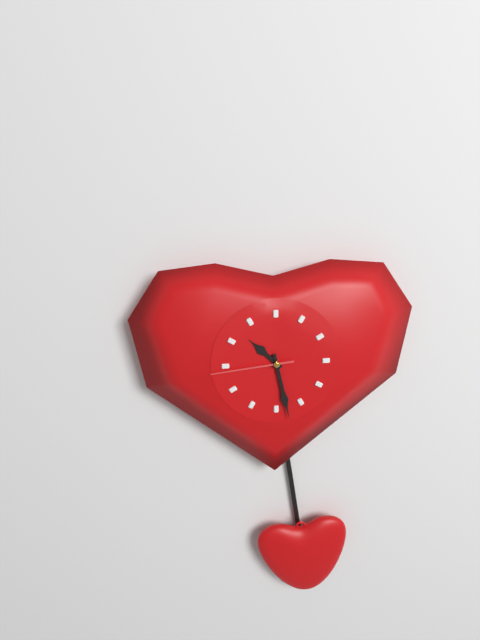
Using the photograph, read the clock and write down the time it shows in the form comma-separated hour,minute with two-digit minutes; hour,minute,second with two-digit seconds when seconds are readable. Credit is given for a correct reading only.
10,28,44
